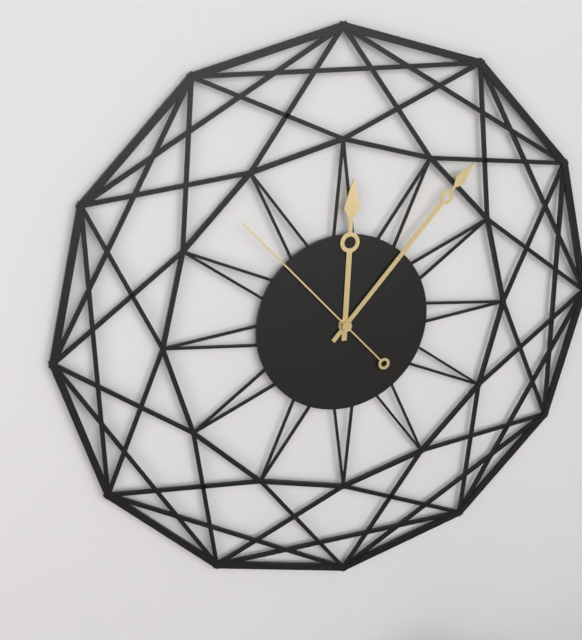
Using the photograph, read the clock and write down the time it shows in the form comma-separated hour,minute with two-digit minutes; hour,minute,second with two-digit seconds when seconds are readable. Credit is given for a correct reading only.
12,07,53
